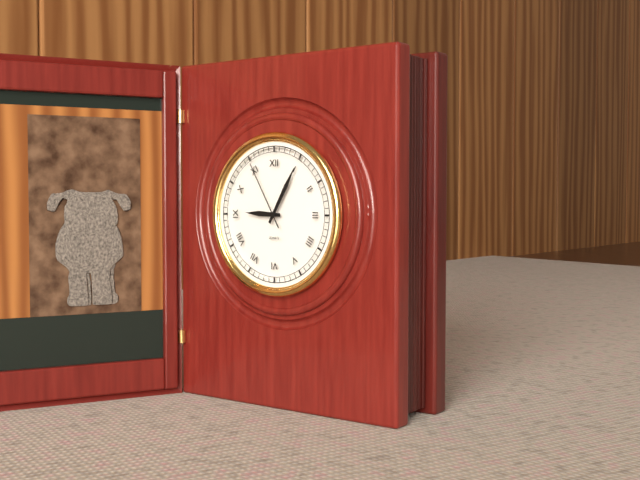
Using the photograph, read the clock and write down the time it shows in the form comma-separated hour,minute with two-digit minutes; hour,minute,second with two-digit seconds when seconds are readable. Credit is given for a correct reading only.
9,05,55
